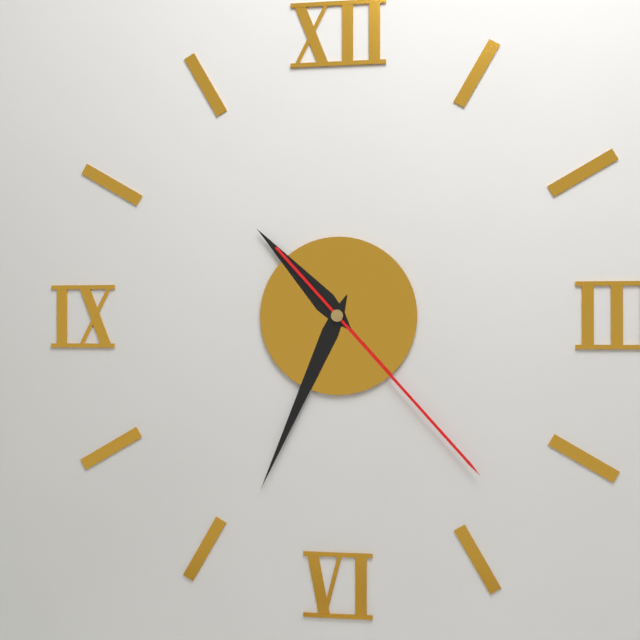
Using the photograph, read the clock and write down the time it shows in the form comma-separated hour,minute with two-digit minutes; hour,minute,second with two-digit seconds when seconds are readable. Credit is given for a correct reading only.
10,34,23
